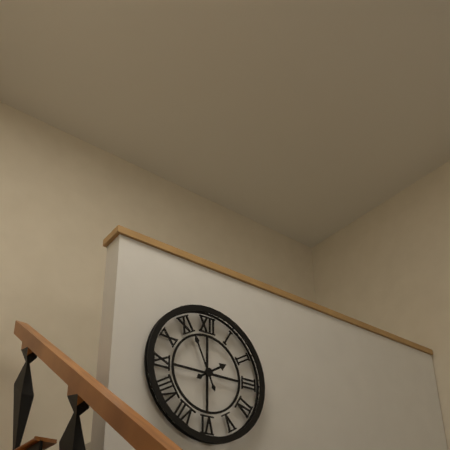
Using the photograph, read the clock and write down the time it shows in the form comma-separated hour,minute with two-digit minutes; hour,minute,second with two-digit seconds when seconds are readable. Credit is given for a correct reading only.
1,56
